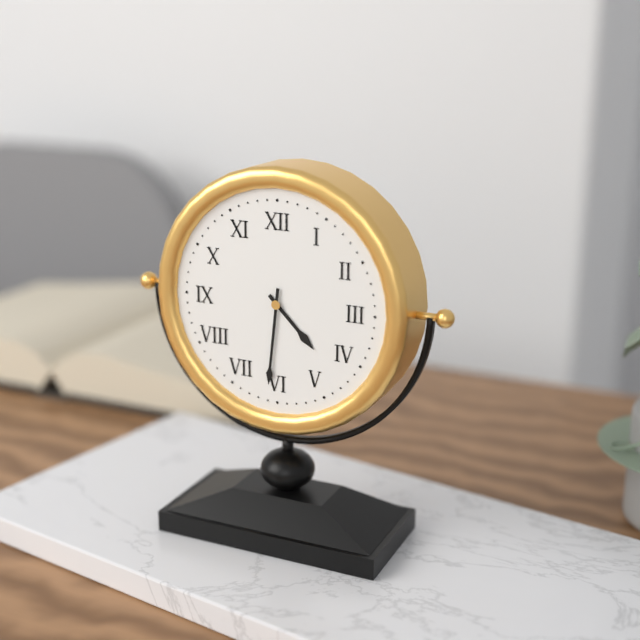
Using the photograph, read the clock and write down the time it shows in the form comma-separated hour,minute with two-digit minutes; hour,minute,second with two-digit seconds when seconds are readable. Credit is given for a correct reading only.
4,31
